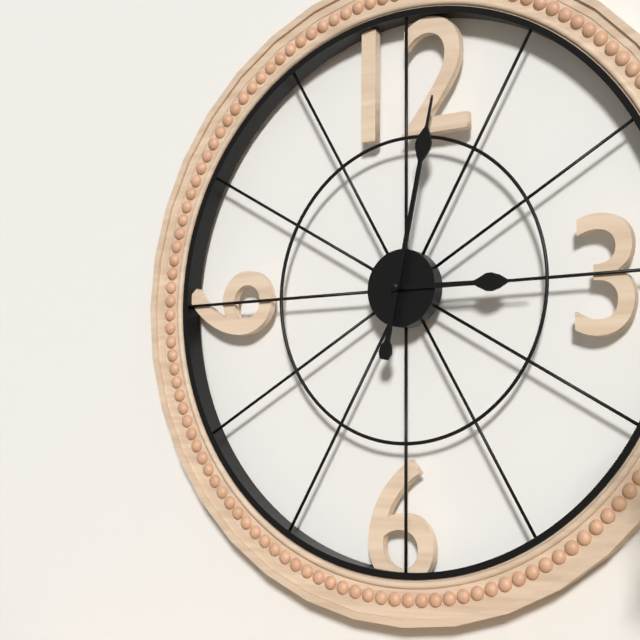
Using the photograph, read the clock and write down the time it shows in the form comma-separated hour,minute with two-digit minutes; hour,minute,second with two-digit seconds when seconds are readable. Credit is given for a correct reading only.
3,02
